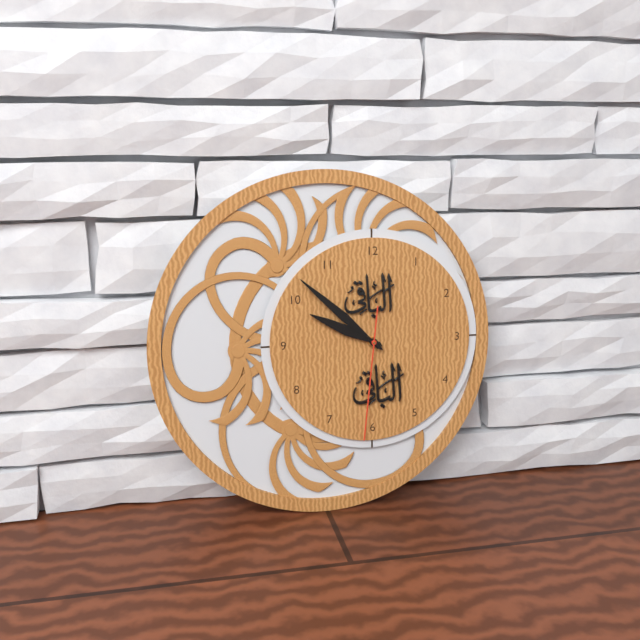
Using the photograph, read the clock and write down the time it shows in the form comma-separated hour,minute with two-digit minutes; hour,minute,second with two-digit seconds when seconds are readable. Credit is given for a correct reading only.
9,52,31
